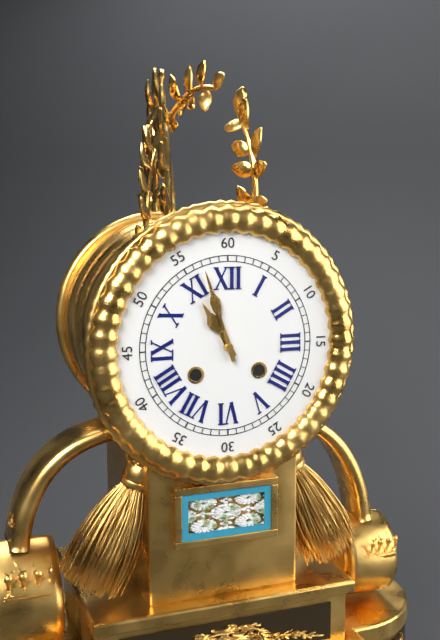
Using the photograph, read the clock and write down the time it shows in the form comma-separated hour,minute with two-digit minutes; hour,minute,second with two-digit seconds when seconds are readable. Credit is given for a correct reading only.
10,57
